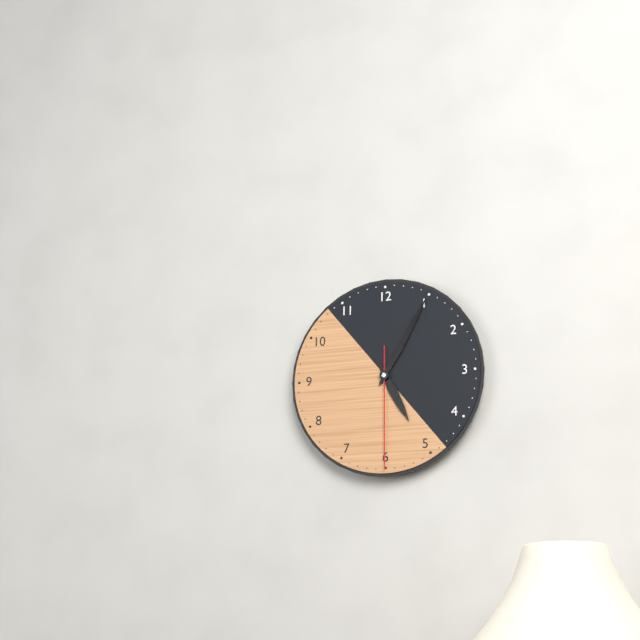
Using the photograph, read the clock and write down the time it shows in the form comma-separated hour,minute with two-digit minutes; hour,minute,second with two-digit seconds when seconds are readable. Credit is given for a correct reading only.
5,05,30
